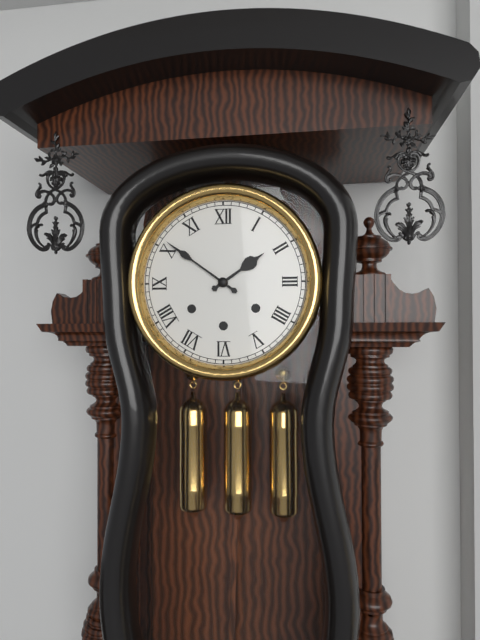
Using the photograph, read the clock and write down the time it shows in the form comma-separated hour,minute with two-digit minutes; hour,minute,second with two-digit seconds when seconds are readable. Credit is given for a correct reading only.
1,51
